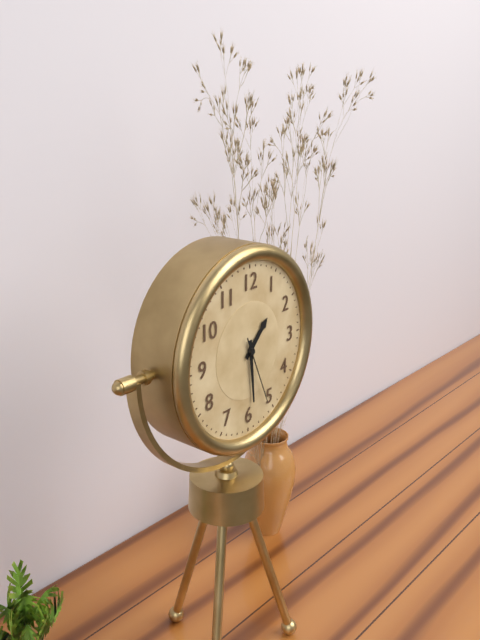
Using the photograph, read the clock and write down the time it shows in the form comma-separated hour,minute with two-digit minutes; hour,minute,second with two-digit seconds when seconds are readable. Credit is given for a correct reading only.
1,29,26
